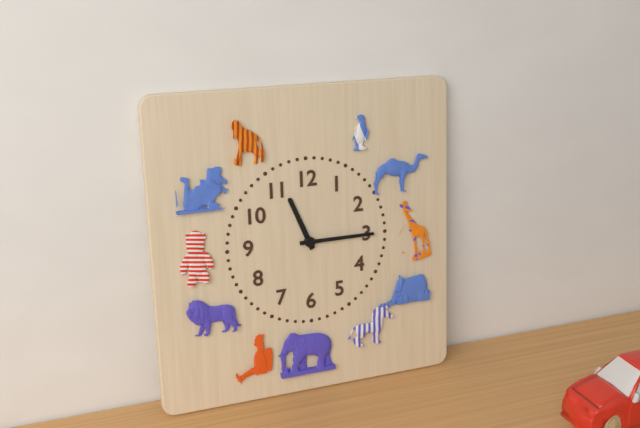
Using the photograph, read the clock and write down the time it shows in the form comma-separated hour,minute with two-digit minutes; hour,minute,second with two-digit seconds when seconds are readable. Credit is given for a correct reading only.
11,15
